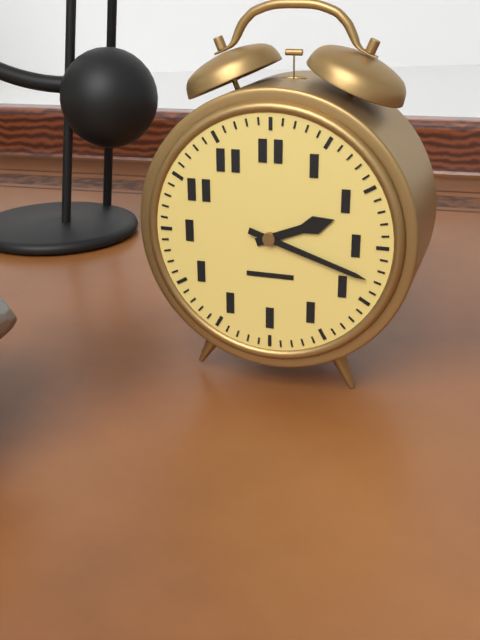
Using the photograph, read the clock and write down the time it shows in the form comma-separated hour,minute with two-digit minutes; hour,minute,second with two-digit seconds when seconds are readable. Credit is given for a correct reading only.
2,18
